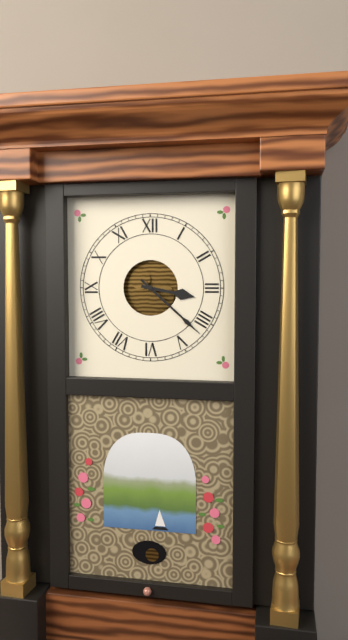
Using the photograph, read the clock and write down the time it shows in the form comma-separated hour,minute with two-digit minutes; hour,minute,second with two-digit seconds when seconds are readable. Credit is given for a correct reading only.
3,22
